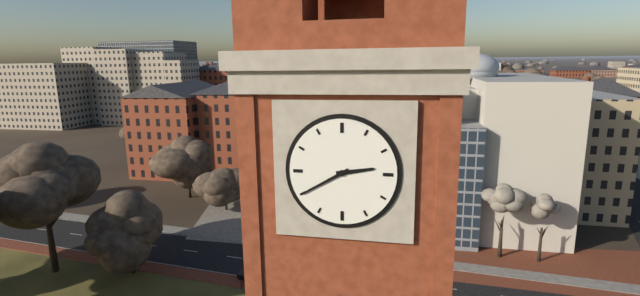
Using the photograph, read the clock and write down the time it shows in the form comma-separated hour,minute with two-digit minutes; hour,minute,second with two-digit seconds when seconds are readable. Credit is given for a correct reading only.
2,40
